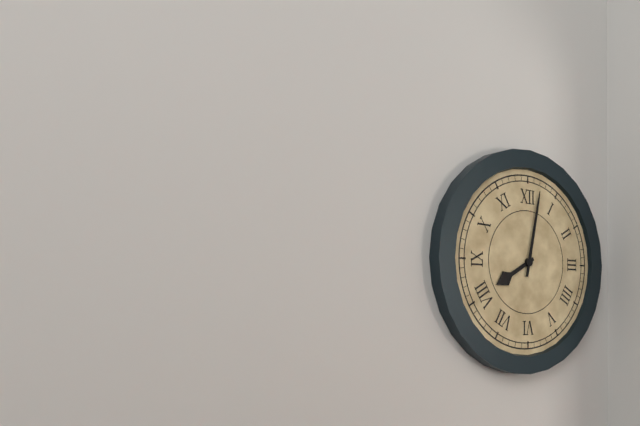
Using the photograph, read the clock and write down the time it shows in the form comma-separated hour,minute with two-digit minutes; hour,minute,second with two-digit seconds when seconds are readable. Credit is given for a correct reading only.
8,02
